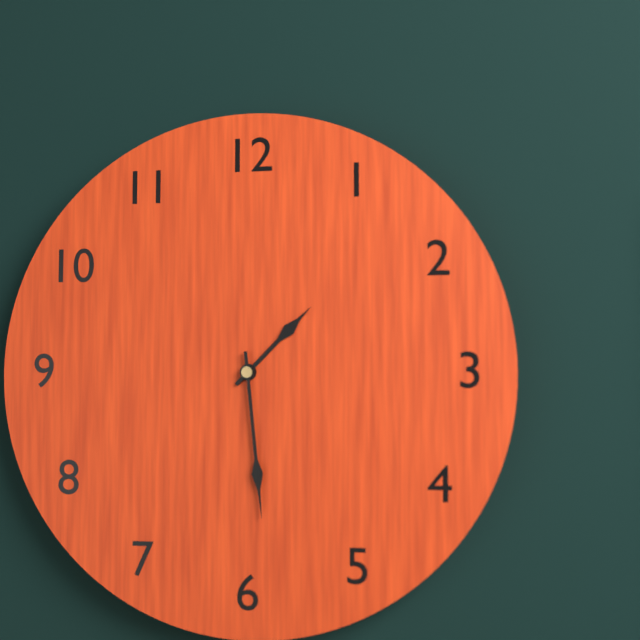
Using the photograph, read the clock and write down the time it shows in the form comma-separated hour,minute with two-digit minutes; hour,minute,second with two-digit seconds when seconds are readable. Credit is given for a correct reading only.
1,29
